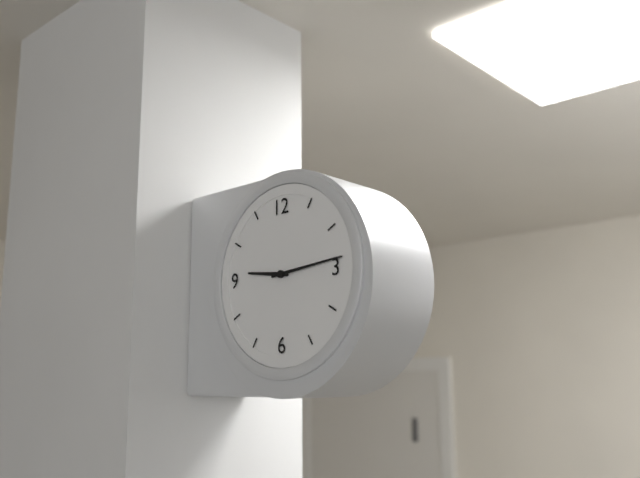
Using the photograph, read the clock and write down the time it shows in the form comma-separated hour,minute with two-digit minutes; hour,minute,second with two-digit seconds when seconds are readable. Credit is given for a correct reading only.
9,14
